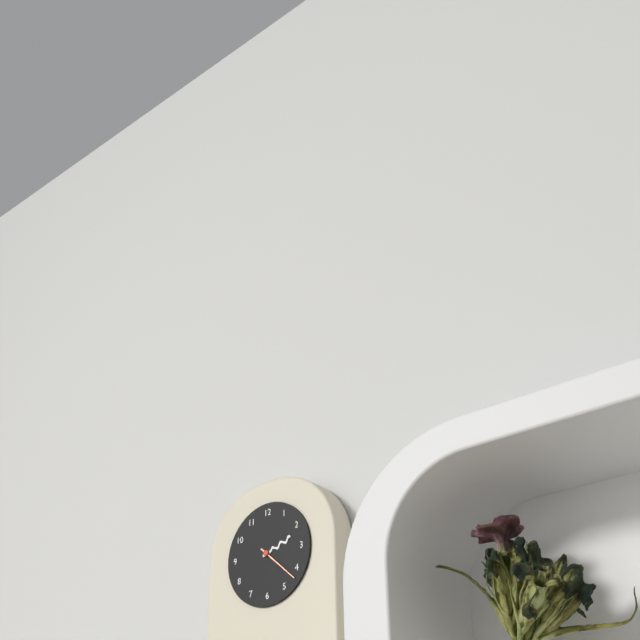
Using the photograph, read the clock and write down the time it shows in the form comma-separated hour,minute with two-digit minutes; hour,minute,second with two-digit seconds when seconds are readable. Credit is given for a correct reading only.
2,22
